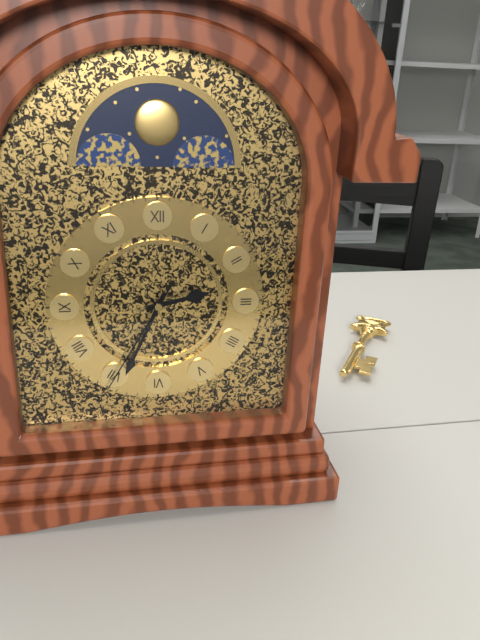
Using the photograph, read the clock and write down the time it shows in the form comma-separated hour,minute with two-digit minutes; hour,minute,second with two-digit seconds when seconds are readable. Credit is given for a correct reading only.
2,34,35
